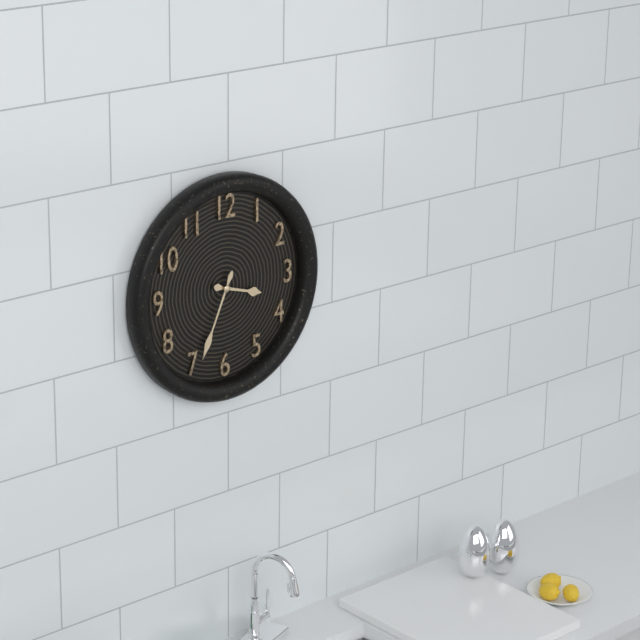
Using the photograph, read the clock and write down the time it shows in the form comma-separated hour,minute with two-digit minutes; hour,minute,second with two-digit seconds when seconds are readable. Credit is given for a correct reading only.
3,34
